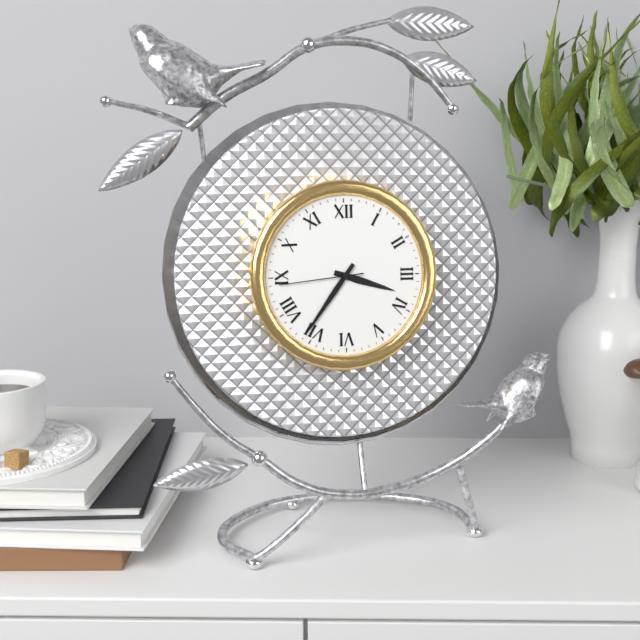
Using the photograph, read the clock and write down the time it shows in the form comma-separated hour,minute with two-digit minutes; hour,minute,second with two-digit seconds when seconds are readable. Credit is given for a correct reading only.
3,36,44
